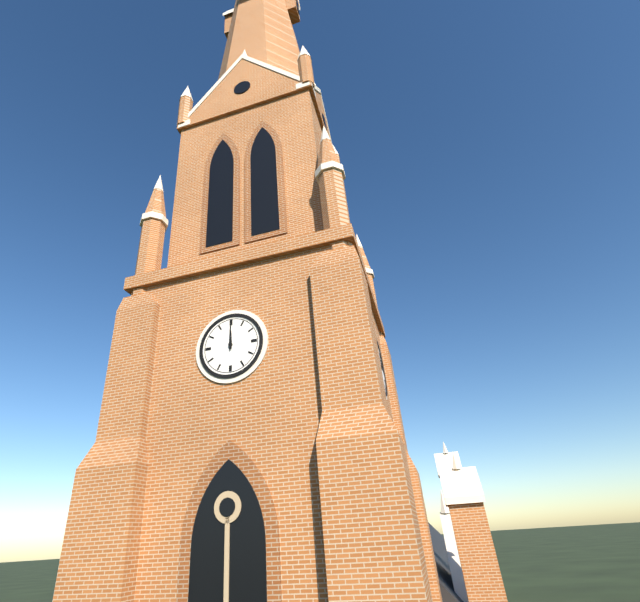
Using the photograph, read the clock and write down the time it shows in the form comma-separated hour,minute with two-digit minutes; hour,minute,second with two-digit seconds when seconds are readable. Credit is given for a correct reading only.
12,00
